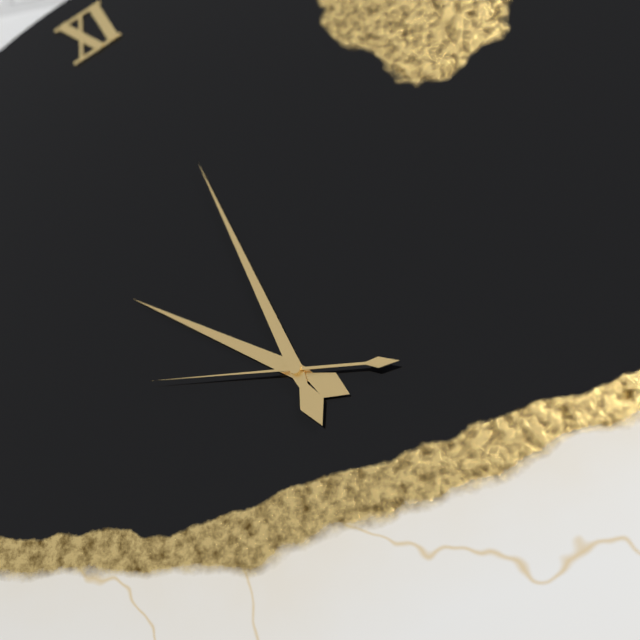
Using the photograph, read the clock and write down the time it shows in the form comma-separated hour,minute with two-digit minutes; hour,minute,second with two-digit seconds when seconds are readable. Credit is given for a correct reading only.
9,56,45
